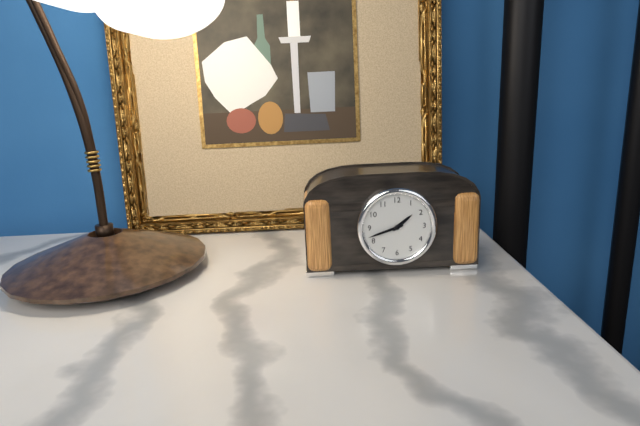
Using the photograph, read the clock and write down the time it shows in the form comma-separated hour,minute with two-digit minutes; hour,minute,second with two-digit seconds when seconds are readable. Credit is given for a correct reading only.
1,42
